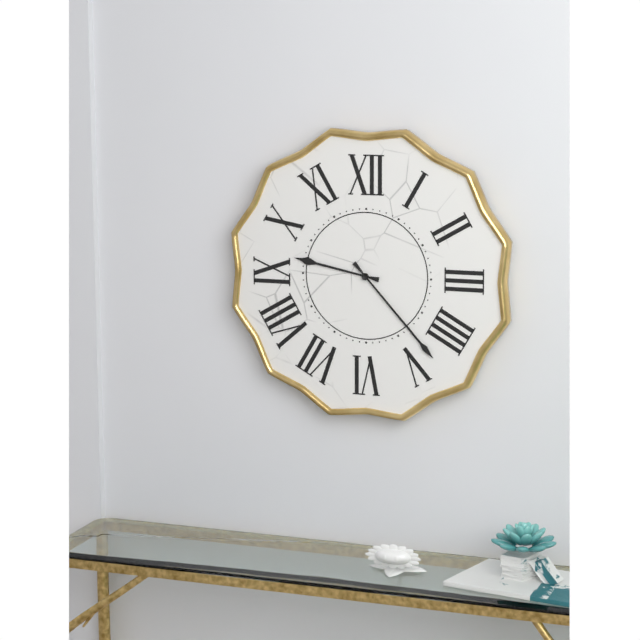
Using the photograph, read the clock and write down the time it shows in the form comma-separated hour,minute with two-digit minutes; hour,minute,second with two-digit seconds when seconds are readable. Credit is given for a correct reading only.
9,23
